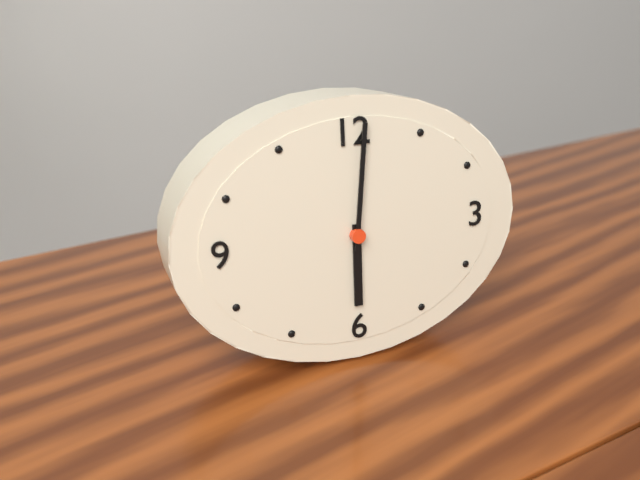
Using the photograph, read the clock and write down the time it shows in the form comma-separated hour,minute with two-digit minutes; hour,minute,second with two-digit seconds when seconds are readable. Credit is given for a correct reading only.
6,01
